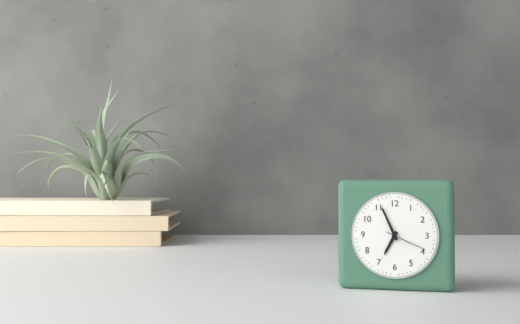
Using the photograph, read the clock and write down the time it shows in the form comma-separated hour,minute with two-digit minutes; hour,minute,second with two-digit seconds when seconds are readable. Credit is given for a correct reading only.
6,56
